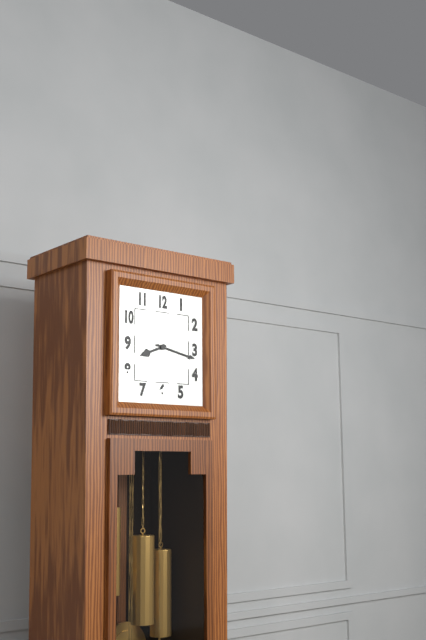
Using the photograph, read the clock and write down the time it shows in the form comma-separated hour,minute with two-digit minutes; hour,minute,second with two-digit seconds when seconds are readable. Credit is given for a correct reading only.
8,17
